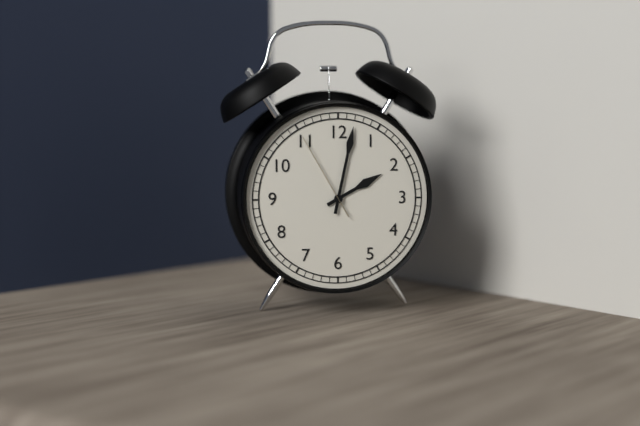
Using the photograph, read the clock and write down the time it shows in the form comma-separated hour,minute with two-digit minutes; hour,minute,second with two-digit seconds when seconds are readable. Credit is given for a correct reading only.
2,02,55
